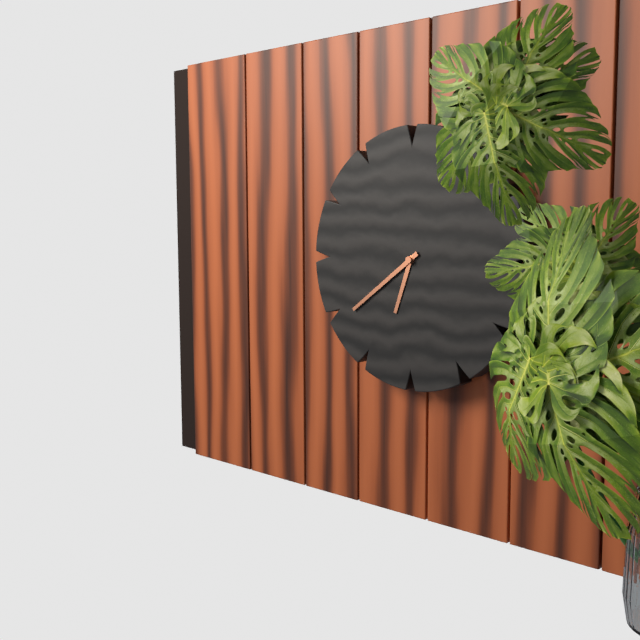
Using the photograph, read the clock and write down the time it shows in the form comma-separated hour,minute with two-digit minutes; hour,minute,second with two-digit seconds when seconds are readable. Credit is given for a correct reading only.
6,39
